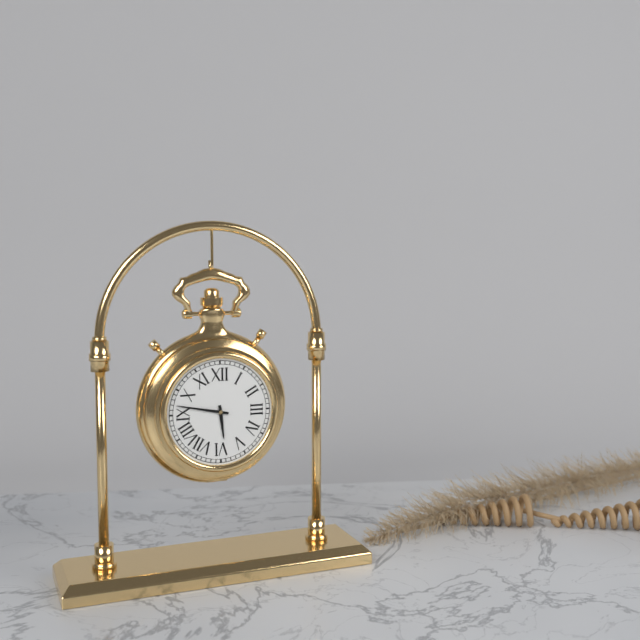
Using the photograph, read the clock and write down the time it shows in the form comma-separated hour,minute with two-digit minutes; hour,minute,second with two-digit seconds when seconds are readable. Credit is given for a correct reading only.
5,47
